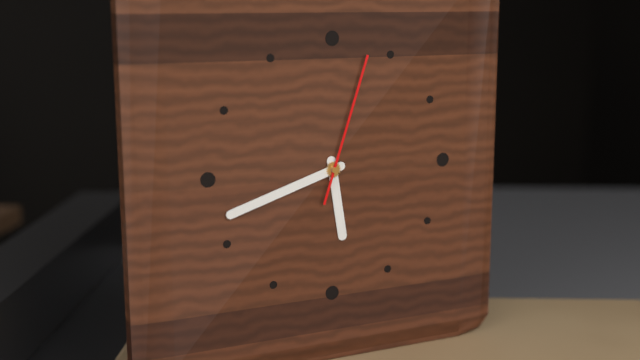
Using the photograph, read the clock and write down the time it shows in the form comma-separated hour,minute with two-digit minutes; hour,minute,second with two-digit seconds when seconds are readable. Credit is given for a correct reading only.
5,42,03
